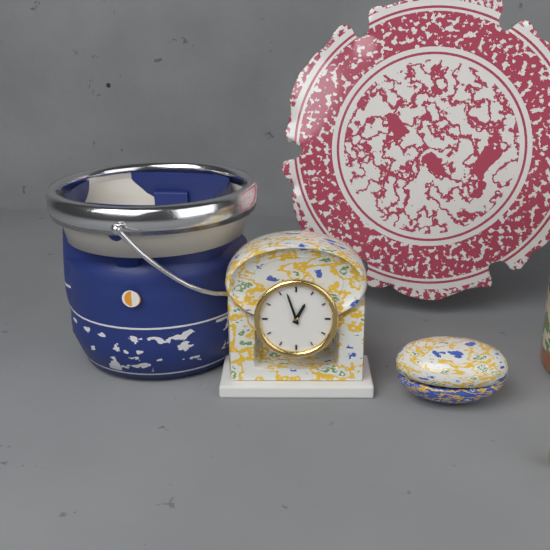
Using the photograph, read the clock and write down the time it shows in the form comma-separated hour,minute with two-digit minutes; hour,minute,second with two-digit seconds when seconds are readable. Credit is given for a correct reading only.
12,57
